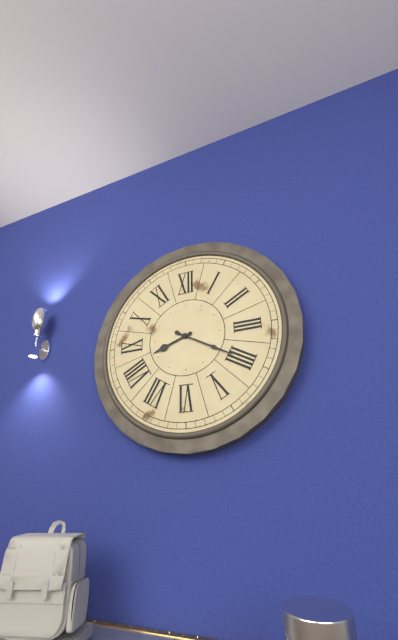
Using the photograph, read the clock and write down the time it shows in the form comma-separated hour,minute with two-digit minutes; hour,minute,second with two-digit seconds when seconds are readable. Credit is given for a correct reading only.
8,20
